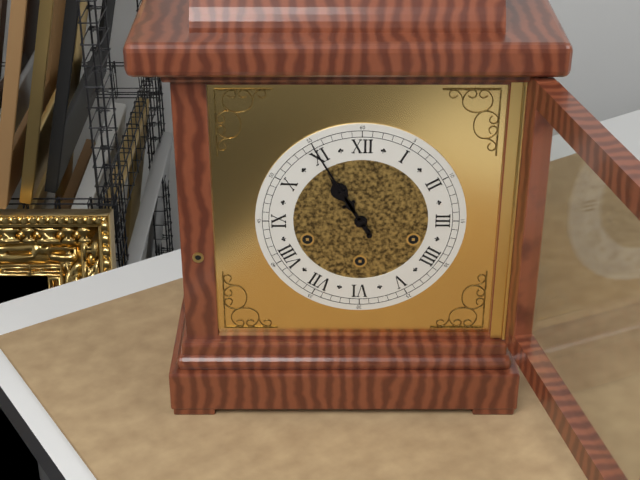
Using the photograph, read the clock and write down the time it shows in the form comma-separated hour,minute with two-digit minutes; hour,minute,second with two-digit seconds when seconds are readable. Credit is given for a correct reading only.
10,55
